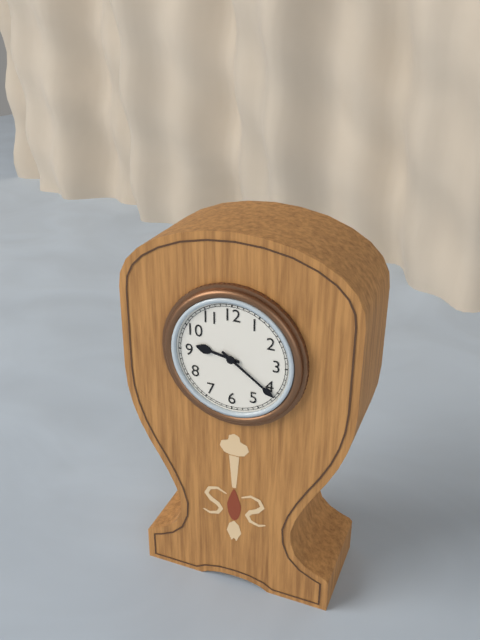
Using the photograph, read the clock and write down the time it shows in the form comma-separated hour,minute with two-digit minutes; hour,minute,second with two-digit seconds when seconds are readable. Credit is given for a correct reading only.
9,21
